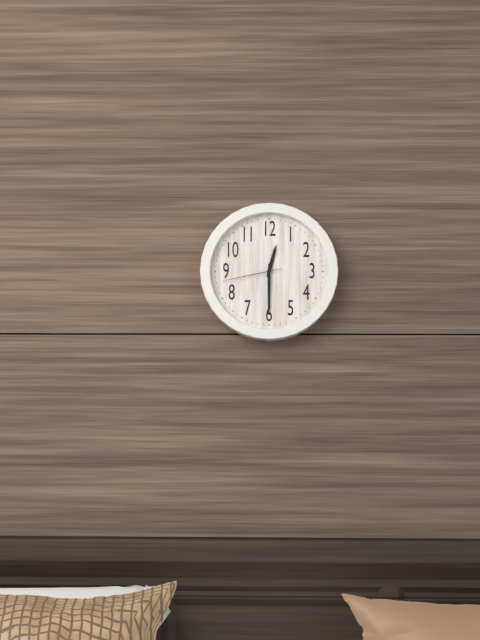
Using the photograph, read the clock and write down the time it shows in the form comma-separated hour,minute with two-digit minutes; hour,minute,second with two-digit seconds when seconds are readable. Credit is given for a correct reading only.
12,30,43
